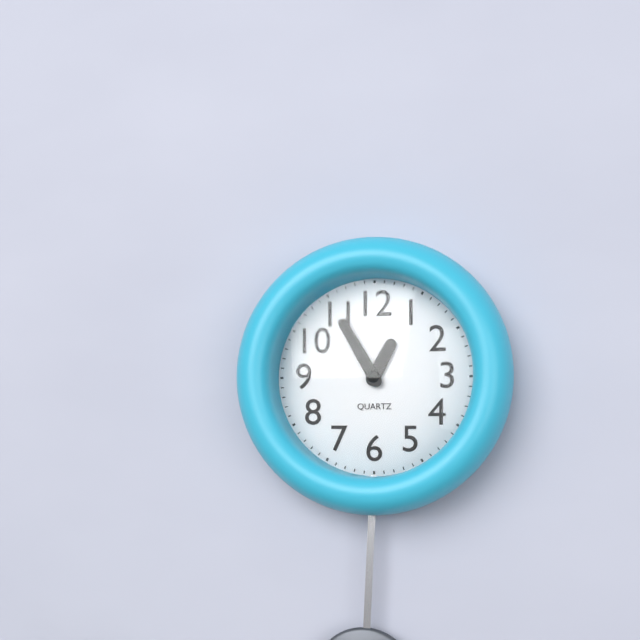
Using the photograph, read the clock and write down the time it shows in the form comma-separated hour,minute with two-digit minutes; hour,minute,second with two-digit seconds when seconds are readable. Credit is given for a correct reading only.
12,55
